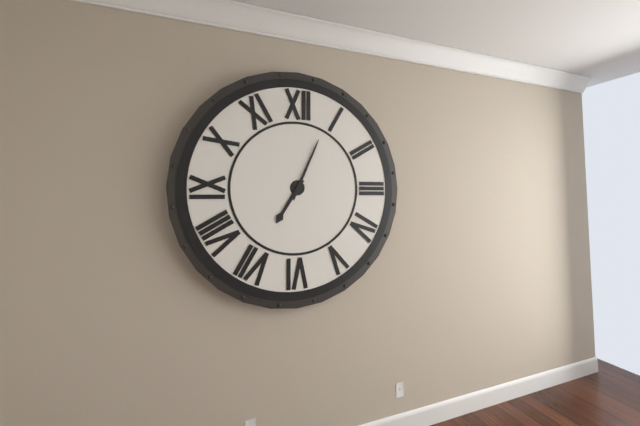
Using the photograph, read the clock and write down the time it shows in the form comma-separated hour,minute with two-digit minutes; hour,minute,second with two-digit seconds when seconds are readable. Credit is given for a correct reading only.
7,04
